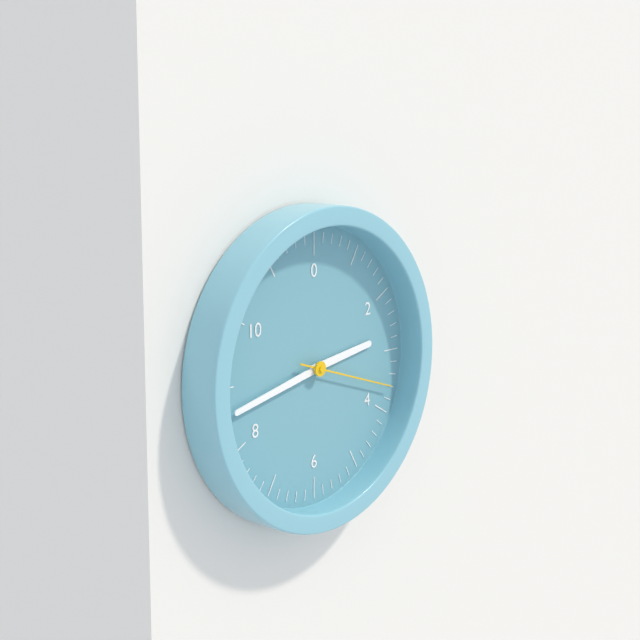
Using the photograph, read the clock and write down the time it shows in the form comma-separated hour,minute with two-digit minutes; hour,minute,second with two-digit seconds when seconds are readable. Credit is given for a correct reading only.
2,43,18
